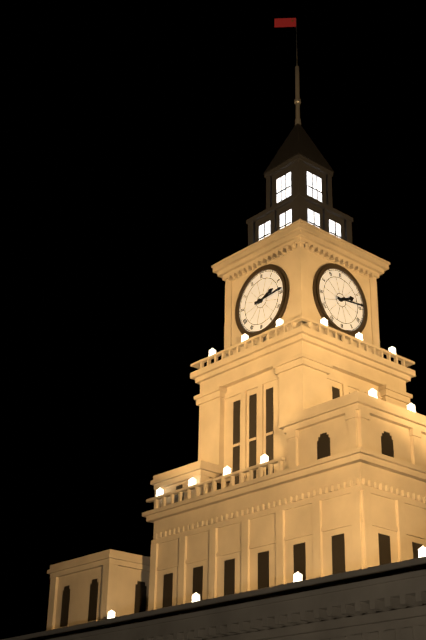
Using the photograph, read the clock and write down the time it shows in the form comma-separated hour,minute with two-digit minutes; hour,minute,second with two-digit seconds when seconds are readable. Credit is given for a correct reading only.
2,14
